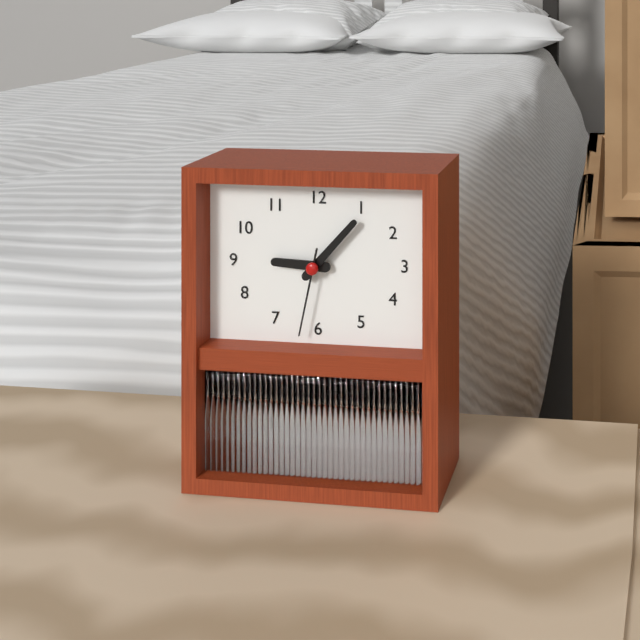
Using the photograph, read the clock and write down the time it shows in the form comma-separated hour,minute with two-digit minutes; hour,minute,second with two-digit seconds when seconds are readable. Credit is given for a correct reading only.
9,07,32
